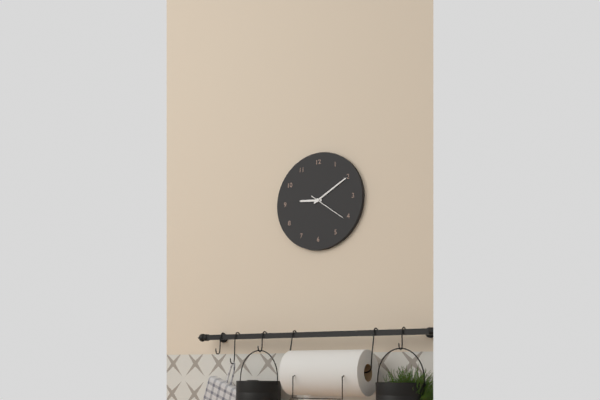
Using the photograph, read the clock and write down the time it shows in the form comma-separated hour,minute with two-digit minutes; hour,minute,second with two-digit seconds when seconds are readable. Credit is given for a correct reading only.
9,10
